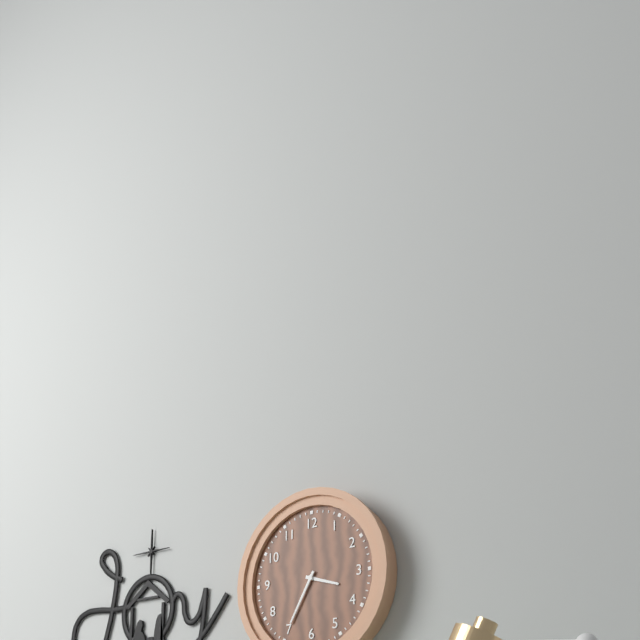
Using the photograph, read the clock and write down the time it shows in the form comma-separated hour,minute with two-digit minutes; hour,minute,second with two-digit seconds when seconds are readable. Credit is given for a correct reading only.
3,35
